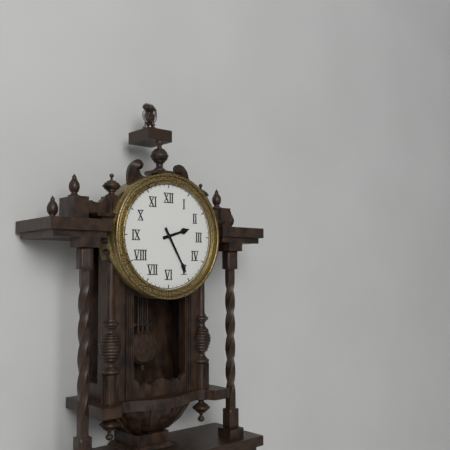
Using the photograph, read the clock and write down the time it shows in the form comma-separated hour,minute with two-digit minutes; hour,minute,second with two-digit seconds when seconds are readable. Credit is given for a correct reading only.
2,25
